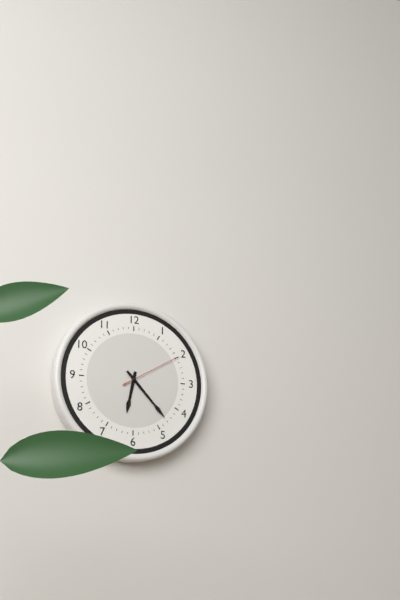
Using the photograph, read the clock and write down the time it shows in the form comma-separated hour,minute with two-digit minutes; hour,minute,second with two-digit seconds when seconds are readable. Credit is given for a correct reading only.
6,23,10
